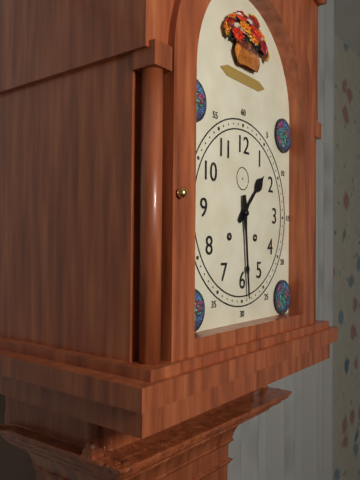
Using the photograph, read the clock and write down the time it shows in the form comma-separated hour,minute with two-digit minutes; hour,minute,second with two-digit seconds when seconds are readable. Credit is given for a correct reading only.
1,29
